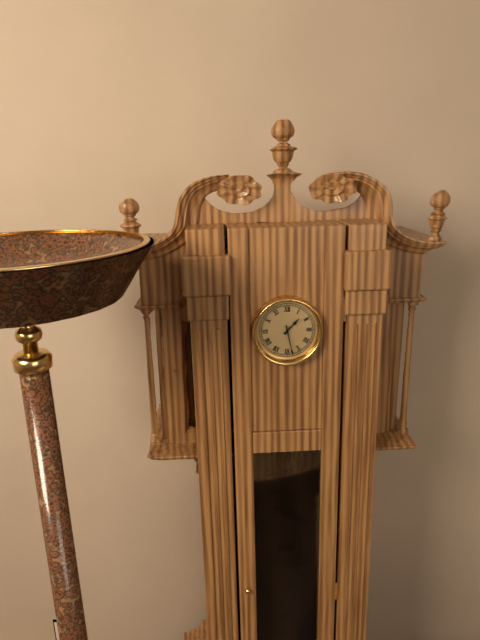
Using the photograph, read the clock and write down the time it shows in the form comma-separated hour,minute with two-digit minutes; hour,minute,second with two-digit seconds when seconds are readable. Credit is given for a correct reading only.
1,28
